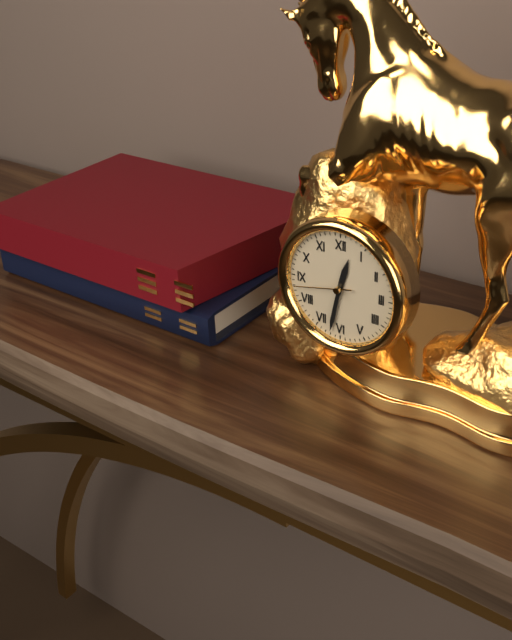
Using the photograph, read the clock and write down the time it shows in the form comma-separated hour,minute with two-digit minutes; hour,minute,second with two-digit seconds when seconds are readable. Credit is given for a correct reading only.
12,32,43
